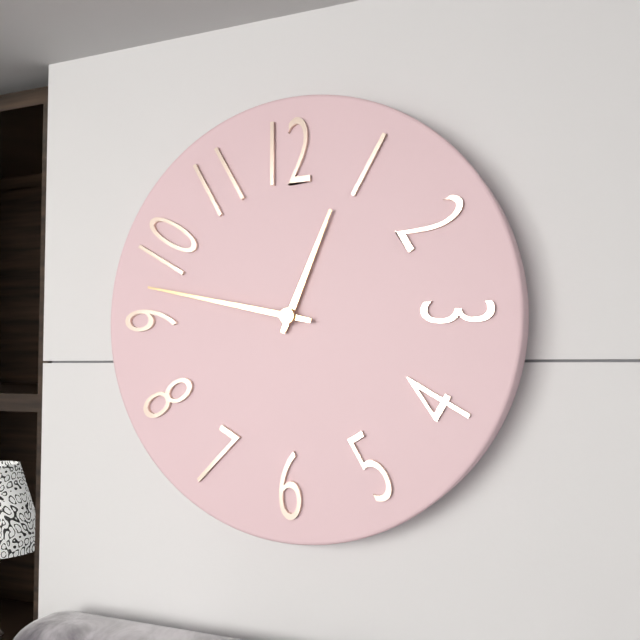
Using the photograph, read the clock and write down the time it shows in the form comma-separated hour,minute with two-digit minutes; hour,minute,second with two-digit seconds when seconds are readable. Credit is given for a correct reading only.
12,47
